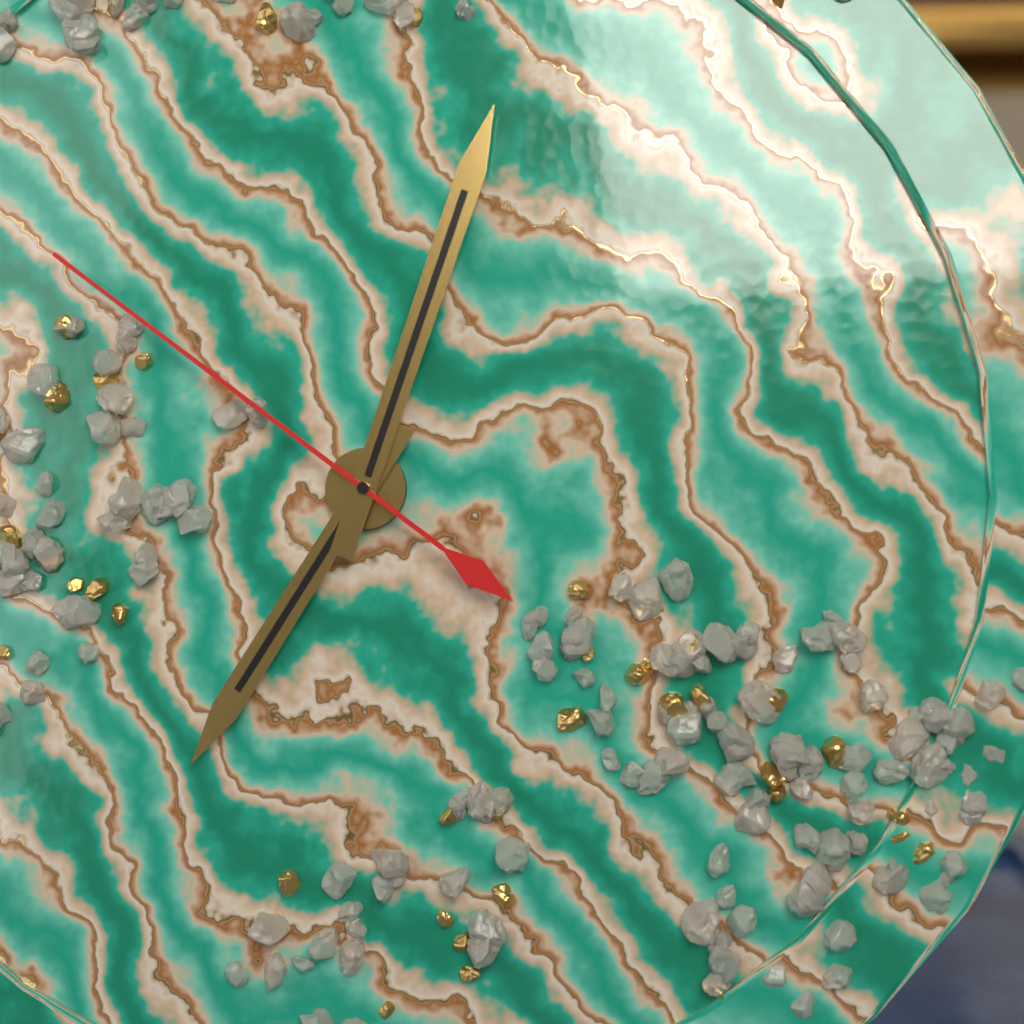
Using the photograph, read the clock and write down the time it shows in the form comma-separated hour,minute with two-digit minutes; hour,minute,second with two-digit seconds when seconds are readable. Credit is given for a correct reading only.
7,03,51
